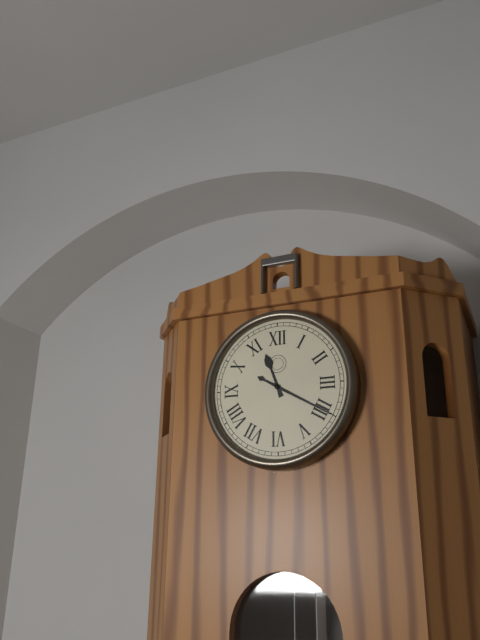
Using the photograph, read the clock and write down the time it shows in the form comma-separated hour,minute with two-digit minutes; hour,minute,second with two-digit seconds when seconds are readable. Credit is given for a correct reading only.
11,20
